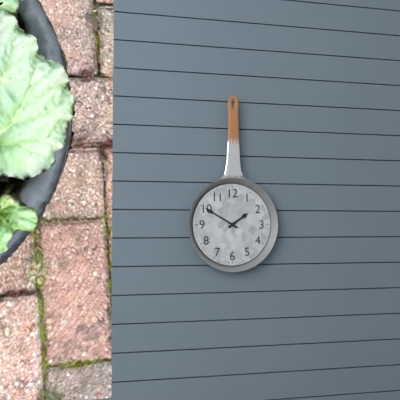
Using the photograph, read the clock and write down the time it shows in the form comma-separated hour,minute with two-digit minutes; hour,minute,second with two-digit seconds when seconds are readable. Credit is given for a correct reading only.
1,50
